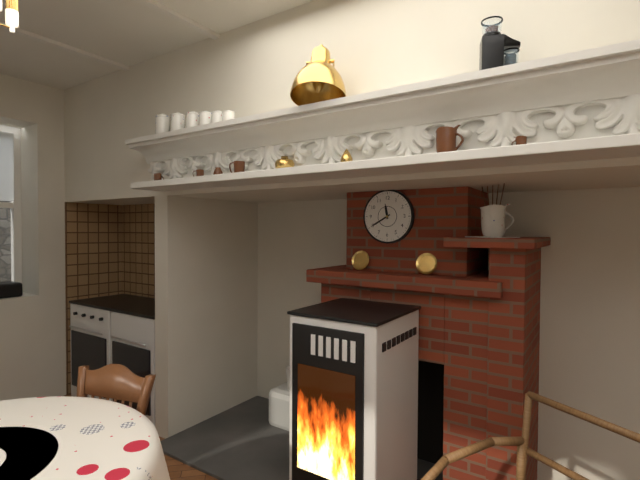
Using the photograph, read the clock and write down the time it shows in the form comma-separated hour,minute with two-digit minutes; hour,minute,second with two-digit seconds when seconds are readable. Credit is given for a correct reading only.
11,40
